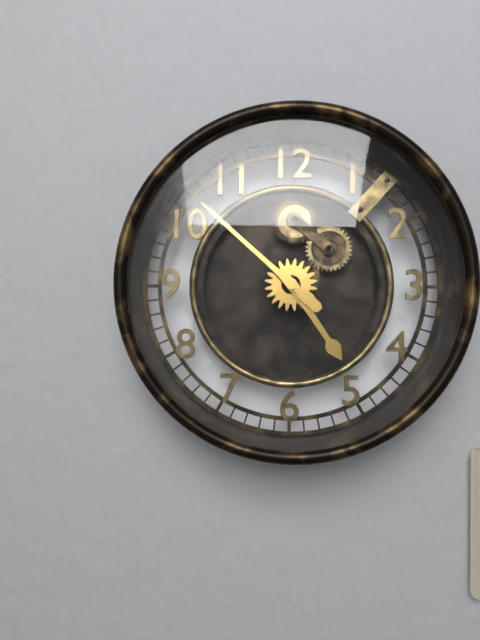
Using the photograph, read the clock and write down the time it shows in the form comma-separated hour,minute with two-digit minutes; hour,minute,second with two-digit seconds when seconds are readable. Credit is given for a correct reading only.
4,52
